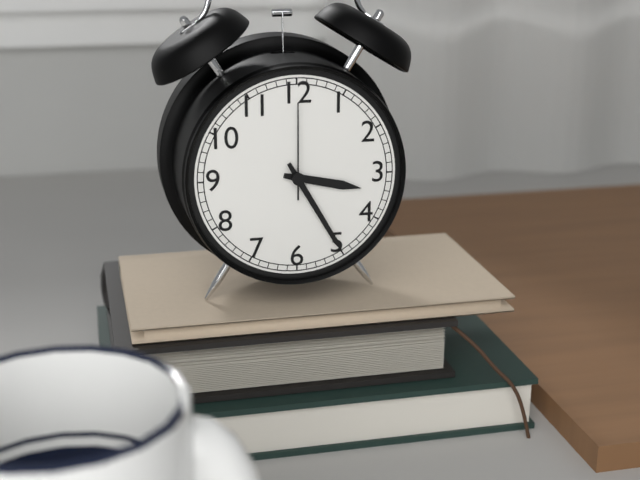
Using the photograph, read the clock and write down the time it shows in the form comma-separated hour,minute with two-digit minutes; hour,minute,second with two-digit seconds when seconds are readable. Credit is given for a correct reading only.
3,25,00
